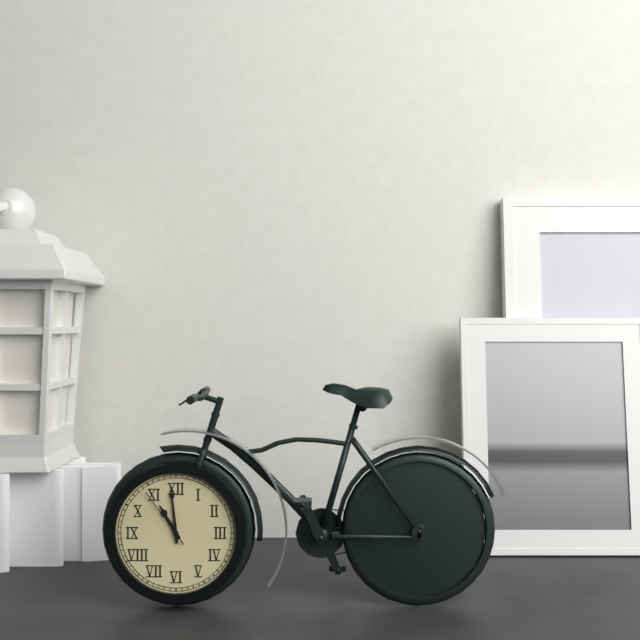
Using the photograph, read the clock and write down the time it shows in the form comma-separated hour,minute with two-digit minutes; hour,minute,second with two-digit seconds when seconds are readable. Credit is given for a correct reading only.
10,59,54
